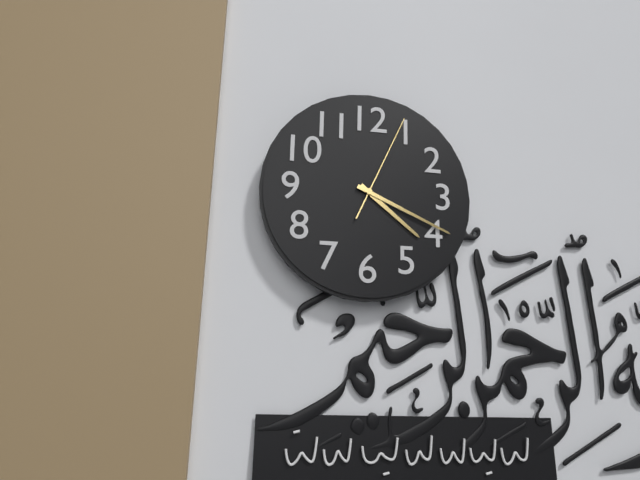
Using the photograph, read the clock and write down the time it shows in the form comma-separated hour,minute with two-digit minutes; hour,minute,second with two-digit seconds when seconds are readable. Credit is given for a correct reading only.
4,19,04
